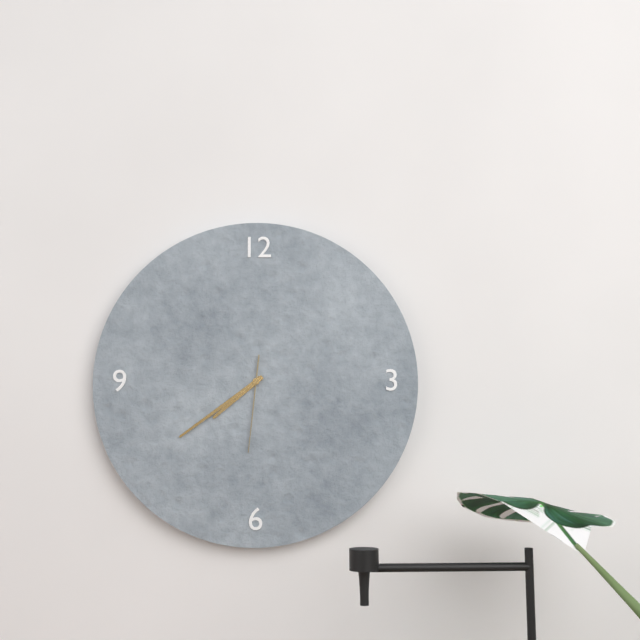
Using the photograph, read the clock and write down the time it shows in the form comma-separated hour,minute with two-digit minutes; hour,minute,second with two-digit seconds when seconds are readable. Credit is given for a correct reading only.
7,39,31
